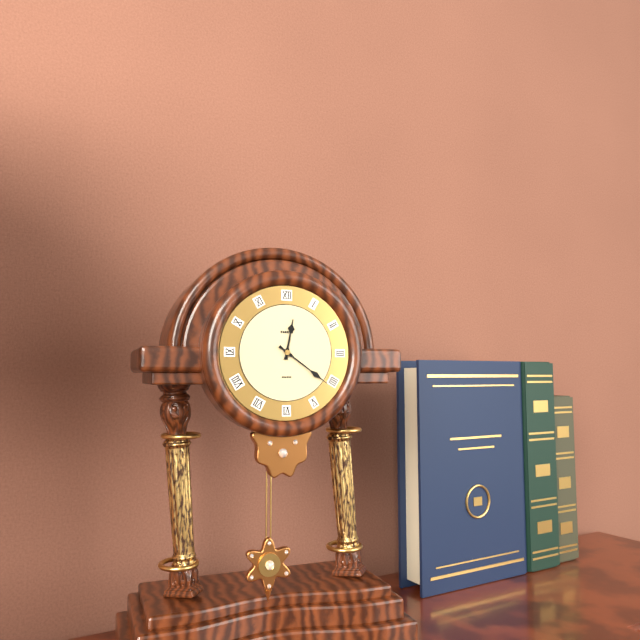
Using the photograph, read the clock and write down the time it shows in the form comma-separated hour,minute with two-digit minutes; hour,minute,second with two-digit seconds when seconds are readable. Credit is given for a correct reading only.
12,21
